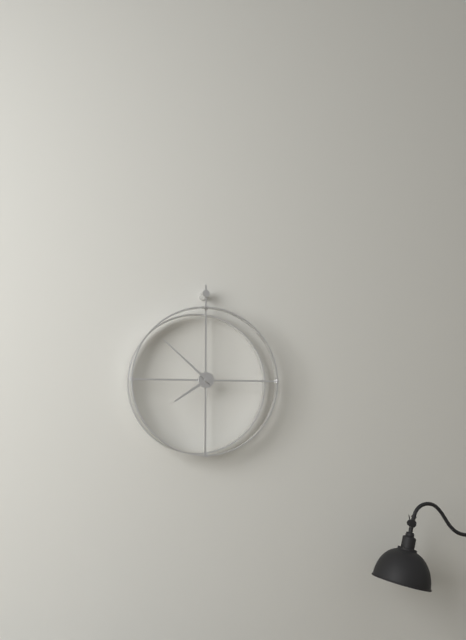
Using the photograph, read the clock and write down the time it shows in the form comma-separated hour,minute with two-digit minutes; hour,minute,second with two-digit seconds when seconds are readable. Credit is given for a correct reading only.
7,52
